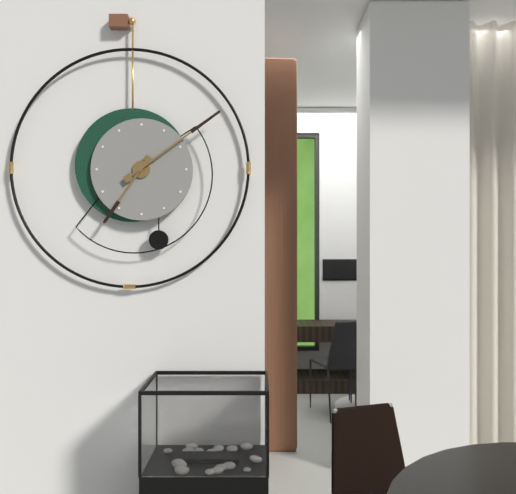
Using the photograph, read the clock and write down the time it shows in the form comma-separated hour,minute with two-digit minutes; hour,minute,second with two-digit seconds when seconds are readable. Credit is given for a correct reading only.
7,09
